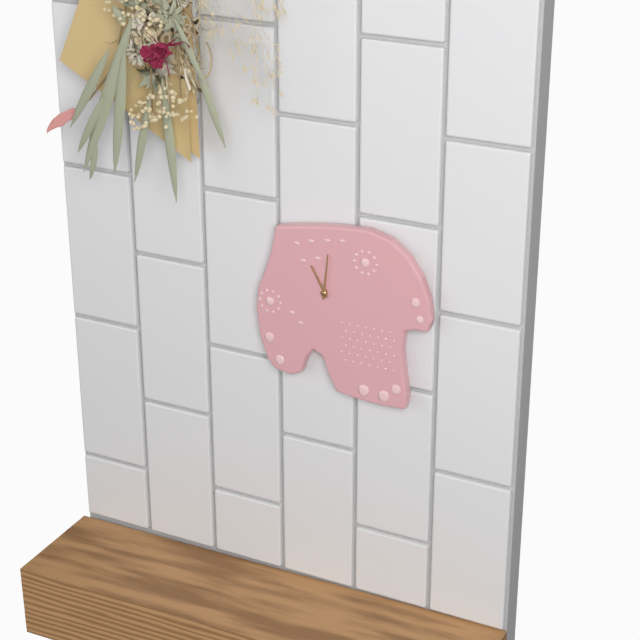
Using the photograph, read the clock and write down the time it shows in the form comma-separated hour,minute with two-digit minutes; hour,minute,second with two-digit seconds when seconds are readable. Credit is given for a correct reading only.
11,01
